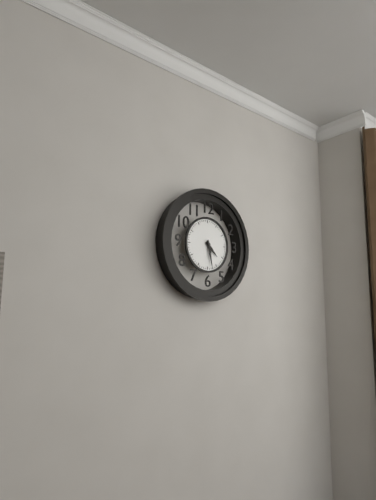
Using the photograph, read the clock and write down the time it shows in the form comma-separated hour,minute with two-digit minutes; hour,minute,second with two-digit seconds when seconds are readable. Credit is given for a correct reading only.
4,28
